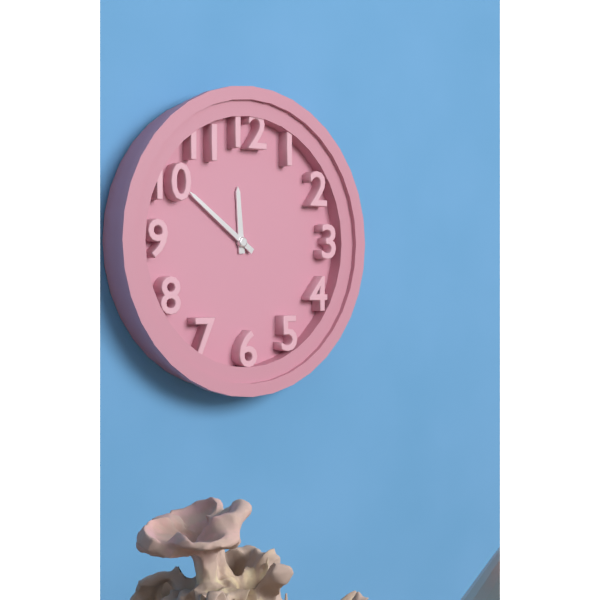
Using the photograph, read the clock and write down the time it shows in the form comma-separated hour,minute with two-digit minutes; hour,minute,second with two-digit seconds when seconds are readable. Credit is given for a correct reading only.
11,51
